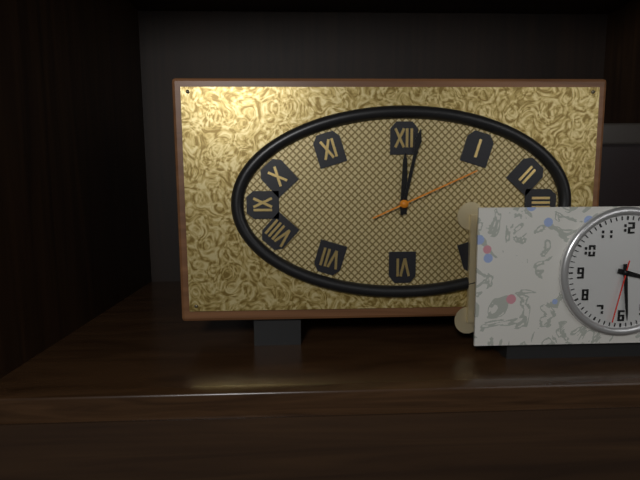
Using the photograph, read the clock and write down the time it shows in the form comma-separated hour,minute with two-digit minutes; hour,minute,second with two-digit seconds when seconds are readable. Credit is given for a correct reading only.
12,02,11
